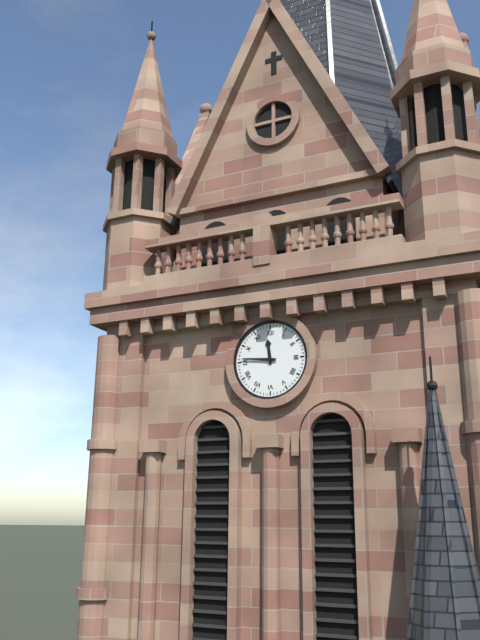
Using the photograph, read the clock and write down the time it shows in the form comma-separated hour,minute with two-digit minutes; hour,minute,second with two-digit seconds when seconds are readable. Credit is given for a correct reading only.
11,46
